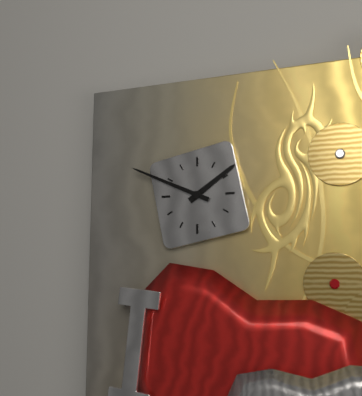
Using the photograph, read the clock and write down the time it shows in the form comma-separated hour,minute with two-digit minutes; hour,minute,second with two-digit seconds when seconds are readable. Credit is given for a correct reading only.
1,49
